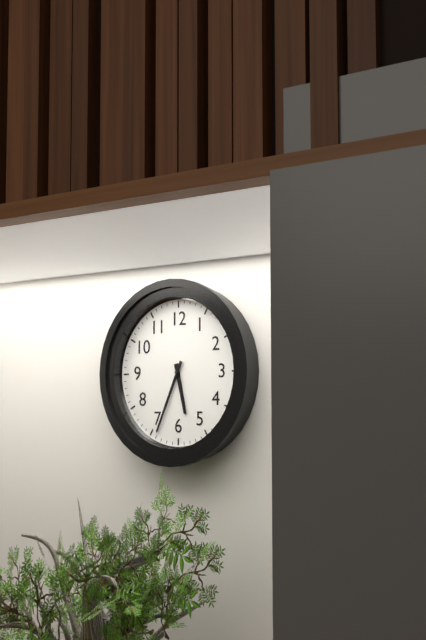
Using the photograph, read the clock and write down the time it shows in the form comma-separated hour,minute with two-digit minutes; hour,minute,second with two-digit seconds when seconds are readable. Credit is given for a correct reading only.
5,34
